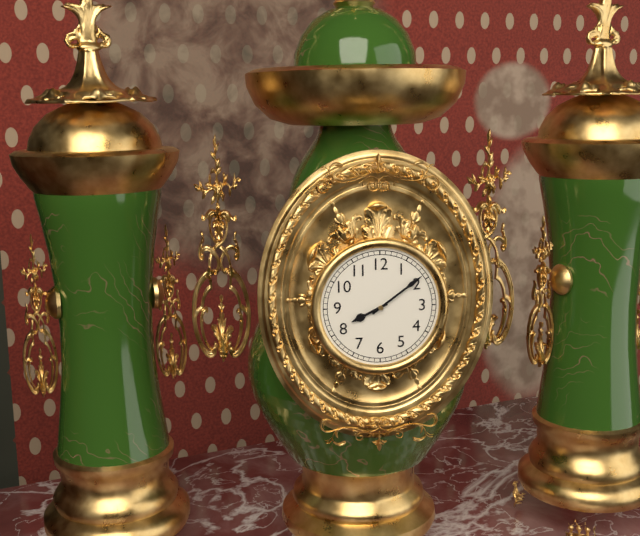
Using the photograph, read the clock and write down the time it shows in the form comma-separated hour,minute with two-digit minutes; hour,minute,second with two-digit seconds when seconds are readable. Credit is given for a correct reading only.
8,09
